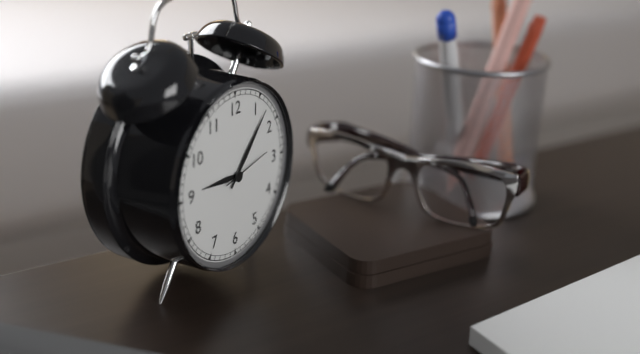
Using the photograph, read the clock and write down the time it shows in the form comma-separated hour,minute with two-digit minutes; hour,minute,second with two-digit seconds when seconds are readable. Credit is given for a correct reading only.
9,07
